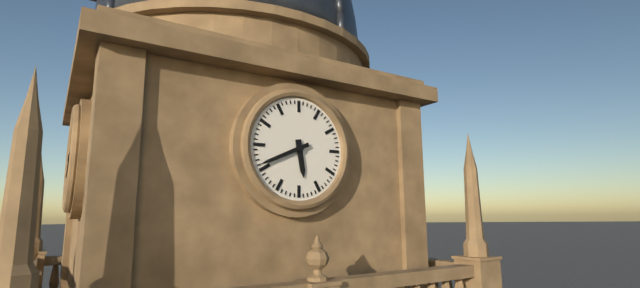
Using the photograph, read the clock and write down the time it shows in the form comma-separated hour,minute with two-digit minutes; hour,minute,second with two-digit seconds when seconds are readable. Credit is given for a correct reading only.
5,41
